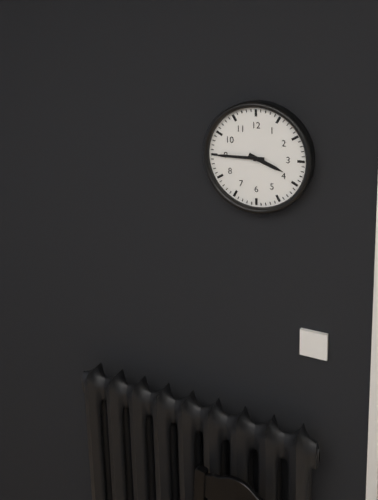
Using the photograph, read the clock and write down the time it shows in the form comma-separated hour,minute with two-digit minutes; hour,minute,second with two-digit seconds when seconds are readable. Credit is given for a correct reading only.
3,45
